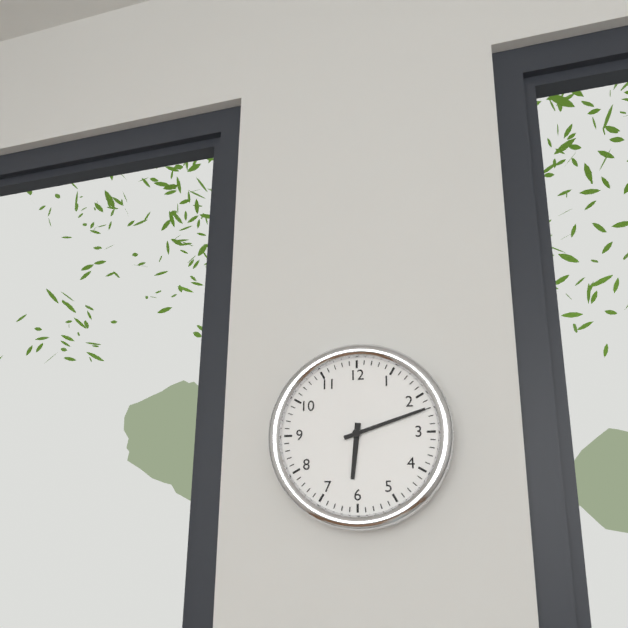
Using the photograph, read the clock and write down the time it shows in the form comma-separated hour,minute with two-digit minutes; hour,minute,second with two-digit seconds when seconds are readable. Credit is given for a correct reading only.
6,12
